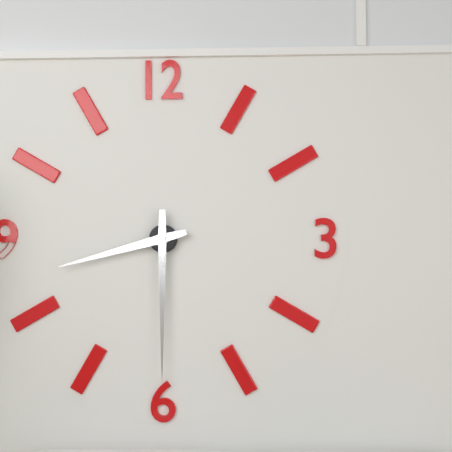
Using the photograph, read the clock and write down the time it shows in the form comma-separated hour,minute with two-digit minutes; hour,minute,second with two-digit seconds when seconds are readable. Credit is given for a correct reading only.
8,30
